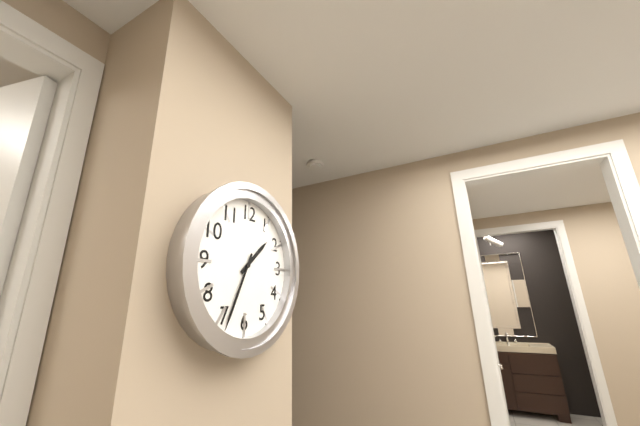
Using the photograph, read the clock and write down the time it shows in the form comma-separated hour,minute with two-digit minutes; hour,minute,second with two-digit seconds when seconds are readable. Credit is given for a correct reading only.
1,34
